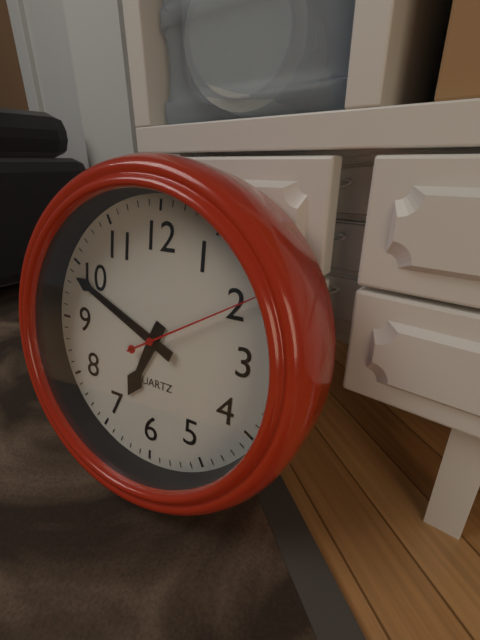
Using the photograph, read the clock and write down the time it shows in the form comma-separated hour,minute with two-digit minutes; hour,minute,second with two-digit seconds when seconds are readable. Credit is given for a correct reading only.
6,49,10
